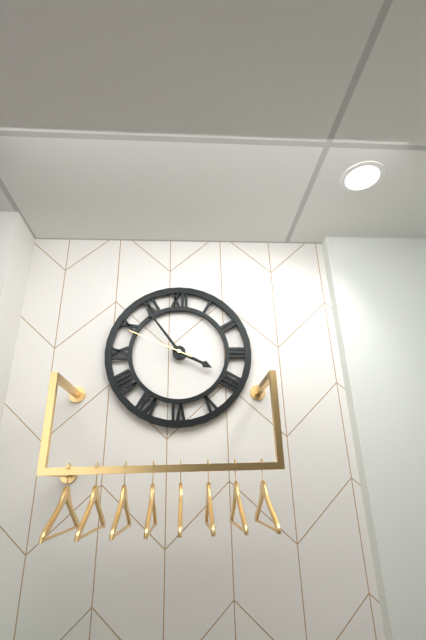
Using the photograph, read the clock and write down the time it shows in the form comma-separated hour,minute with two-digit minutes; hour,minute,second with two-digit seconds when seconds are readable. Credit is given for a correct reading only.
3,54,49
